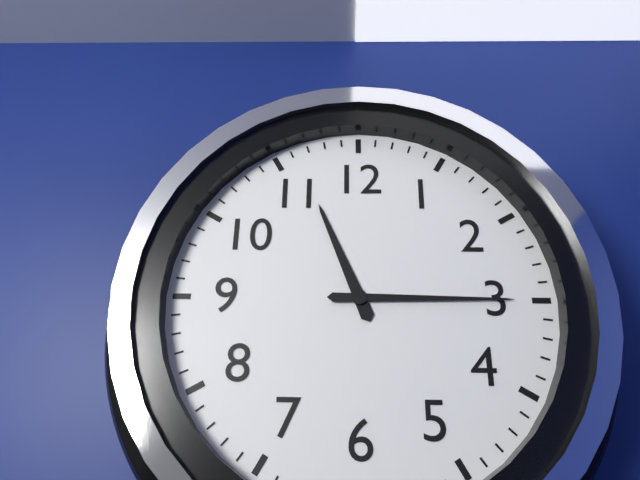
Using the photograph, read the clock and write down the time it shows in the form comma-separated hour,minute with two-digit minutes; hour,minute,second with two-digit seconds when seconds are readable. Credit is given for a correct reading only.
11,15
